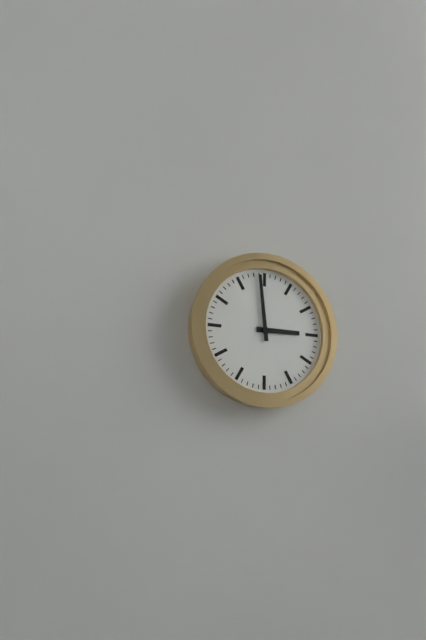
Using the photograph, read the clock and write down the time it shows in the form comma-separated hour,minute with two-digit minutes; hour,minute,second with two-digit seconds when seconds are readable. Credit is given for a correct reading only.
2,59
